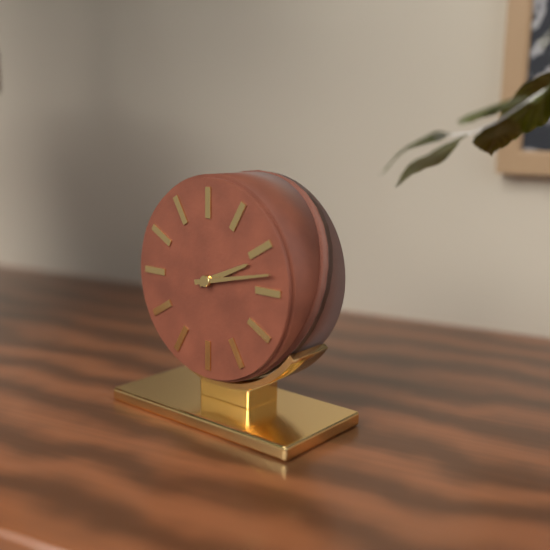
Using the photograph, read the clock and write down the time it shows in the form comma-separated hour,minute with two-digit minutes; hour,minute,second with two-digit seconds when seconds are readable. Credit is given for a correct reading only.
2,13
